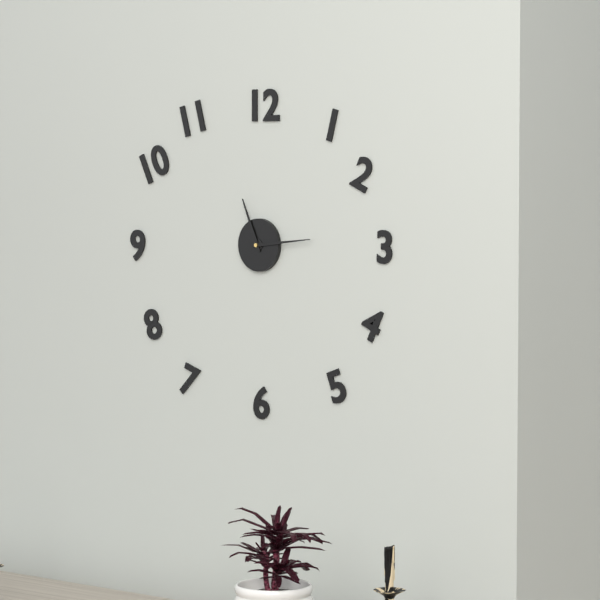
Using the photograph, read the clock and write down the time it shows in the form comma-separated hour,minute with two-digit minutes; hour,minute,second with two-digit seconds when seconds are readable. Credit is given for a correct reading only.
11,14
